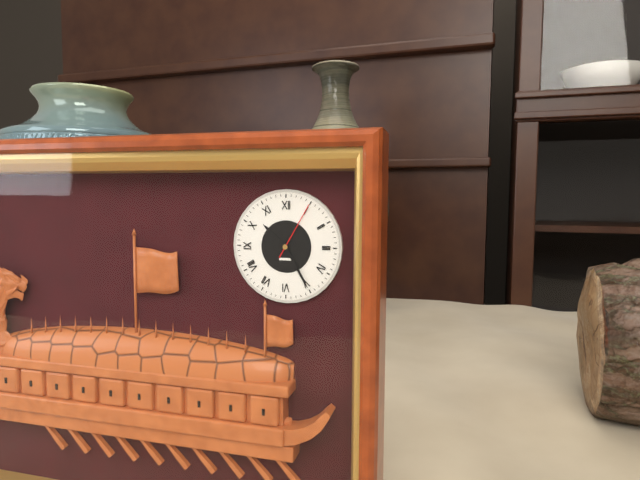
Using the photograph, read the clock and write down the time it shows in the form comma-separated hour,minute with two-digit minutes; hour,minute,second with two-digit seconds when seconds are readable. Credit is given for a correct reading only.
10,25,05
